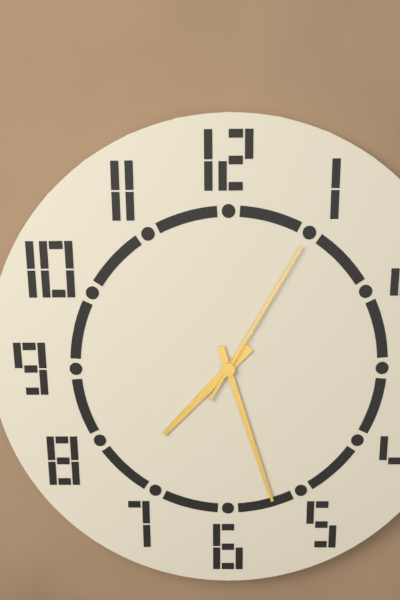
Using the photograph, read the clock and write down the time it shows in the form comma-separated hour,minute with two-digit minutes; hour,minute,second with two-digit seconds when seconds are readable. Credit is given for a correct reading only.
7,27,05
